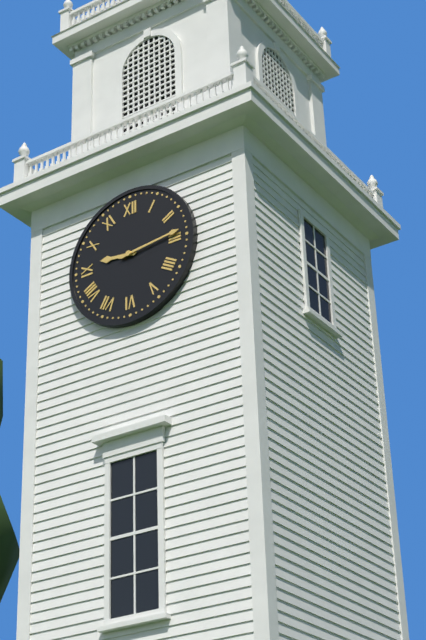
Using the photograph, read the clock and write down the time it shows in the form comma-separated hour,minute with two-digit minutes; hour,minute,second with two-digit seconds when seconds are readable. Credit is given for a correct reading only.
9,14
